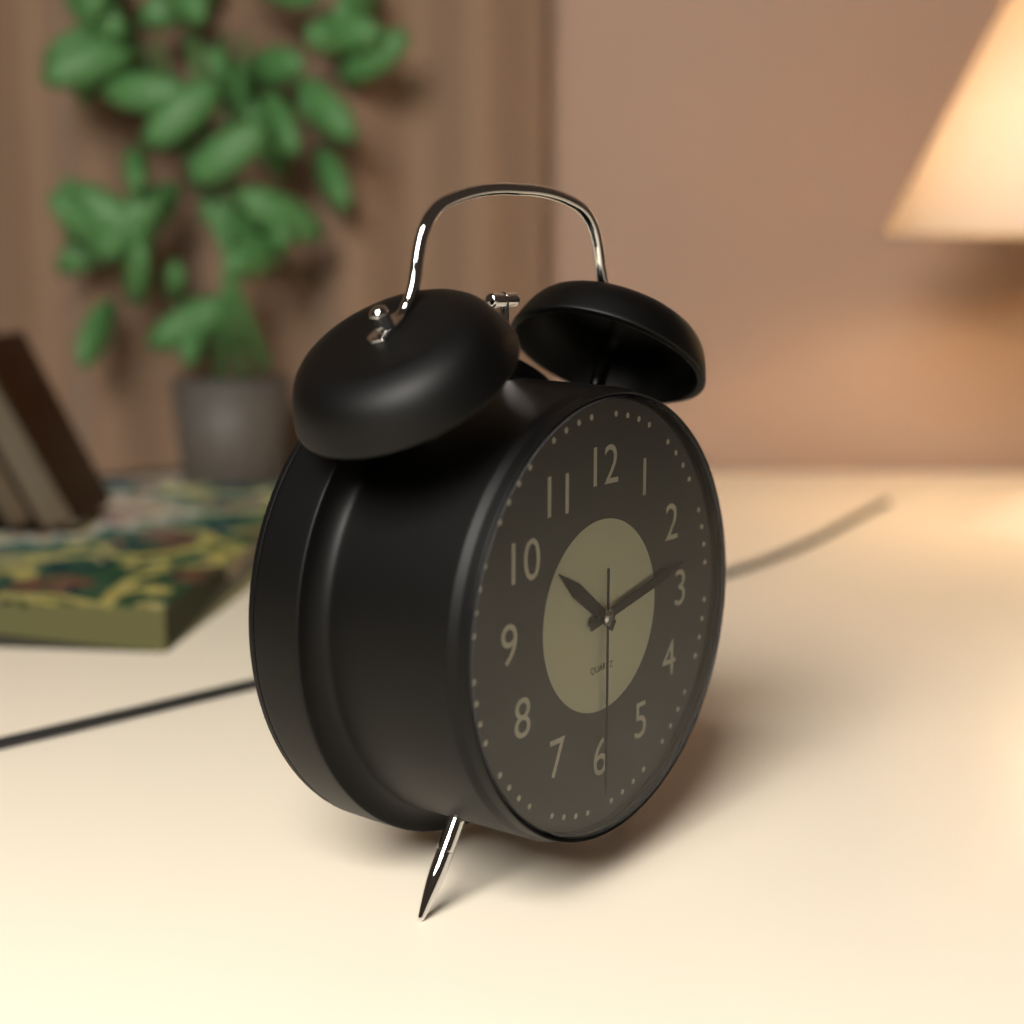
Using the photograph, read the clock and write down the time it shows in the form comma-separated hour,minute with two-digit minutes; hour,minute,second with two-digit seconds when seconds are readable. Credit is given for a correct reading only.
10,13,30
